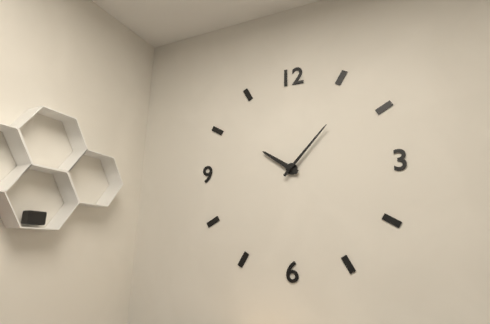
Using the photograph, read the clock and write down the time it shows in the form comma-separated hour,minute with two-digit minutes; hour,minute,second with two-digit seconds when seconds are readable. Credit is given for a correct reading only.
10,07
